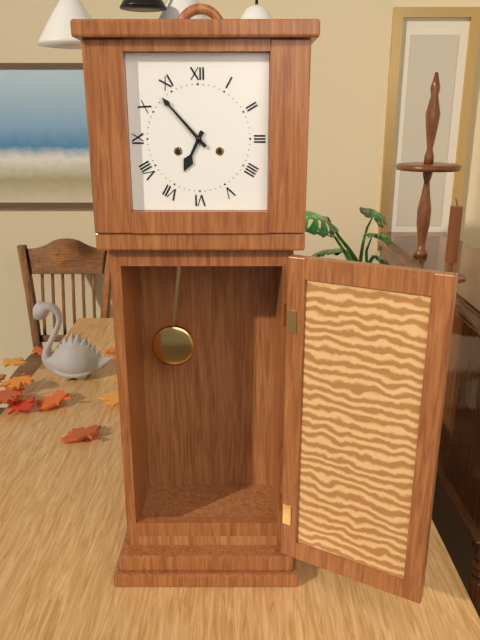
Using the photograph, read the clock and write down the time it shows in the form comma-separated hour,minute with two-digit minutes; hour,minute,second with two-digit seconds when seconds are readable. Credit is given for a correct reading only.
6,53
